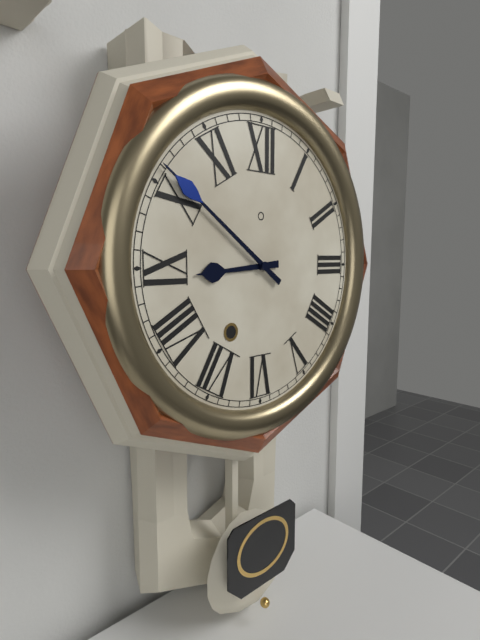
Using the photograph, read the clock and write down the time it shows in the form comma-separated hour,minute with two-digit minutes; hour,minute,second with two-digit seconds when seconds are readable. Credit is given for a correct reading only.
8,51
